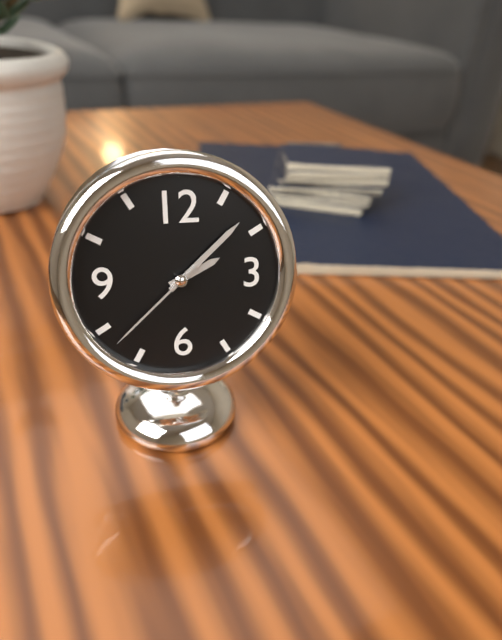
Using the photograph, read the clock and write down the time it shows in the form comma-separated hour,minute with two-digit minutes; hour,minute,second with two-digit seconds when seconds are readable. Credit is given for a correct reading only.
2,08,38
